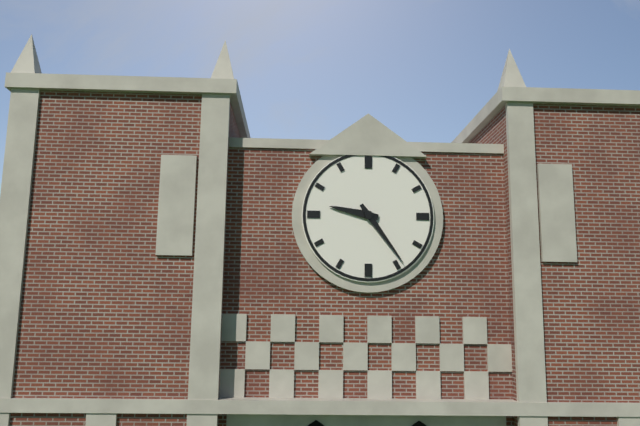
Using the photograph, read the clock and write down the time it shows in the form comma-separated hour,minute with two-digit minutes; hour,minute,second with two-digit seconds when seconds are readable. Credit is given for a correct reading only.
9,24
